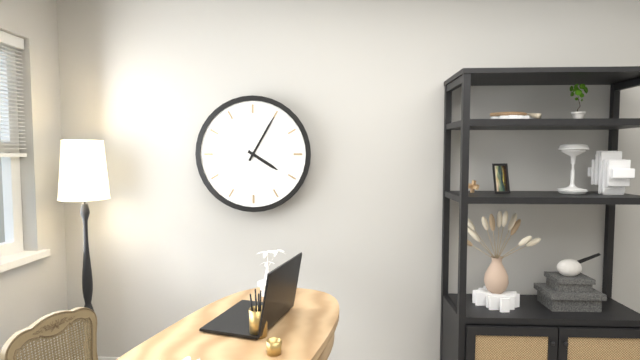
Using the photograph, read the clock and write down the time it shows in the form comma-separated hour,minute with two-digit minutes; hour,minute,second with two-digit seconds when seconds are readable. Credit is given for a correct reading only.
4,05
